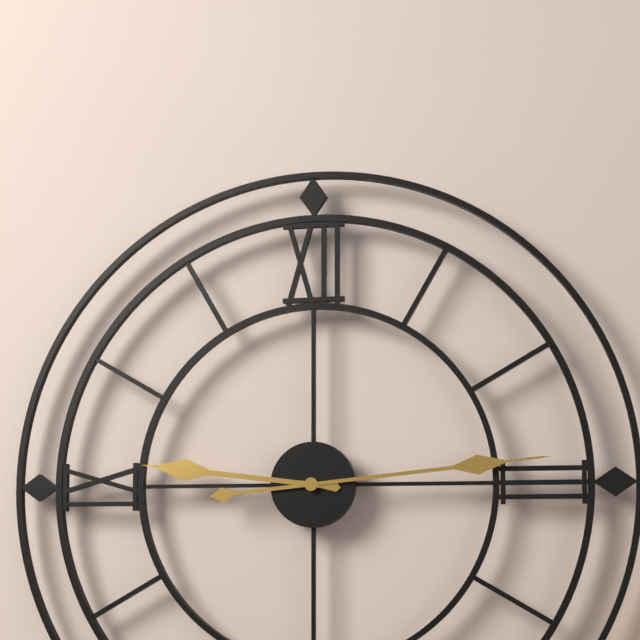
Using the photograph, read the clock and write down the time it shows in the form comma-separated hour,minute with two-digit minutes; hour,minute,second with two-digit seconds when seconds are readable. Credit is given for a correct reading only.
9,14
